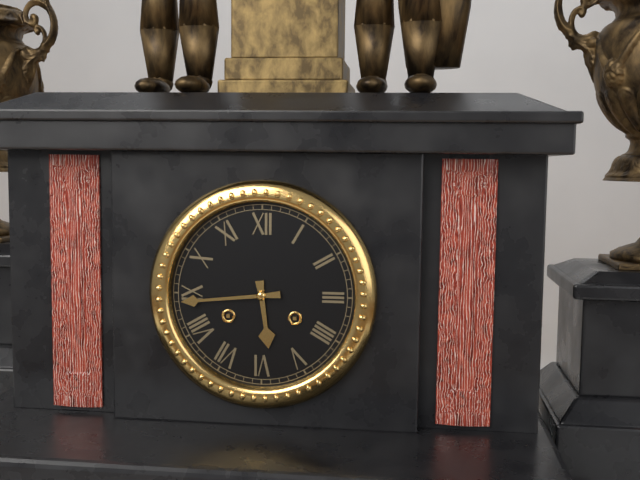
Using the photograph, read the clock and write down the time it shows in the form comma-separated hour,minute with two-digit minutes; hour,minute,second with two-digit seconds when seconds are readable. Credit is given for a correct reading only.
5,44
